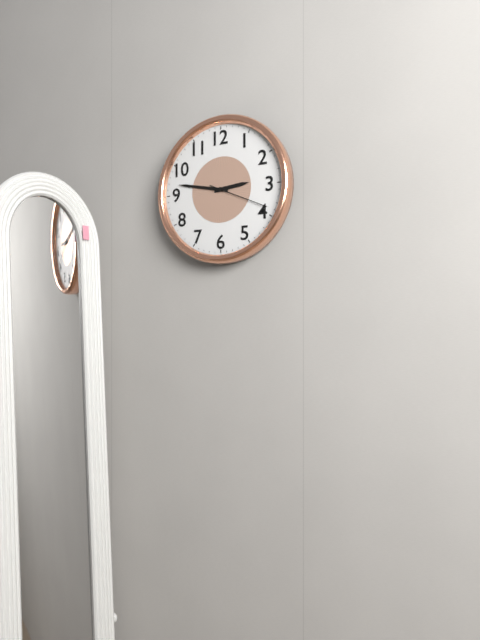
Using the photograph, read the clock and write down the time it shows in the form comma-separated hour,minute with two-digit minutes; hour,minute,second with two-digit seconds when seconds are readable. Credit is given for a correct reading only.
2,47,19
